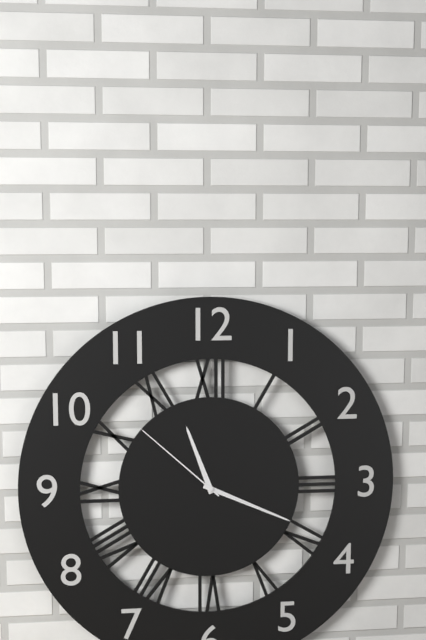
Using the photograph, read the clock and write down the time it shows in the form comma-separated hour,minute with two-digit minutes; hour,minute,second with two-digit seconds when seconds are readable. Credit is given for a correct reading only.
11,19,52
